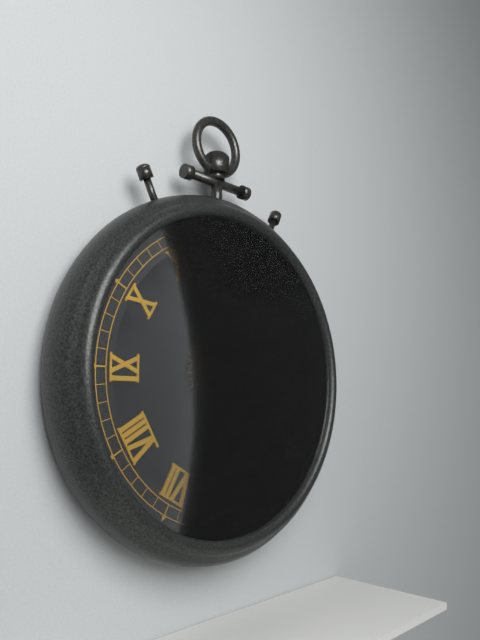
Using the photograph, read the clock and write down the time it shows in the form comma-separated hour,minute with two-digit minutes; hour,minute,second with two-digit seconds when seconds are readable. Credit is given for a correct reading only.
6,29,26
